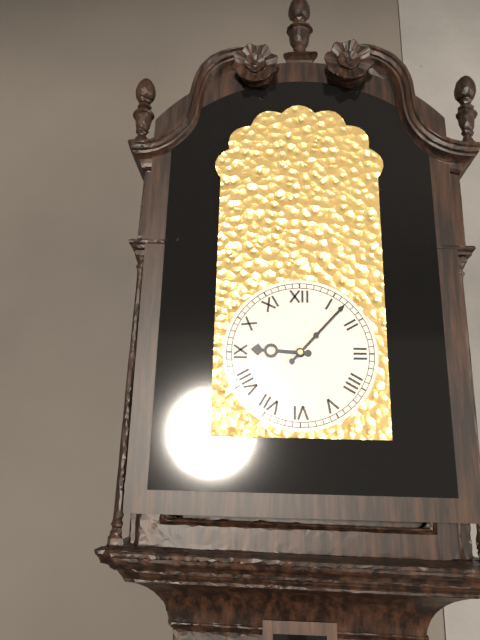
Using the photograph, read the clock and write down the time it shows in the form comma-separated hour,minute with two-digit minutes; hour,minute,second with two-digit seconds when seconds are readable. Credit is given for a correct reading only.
9,07
